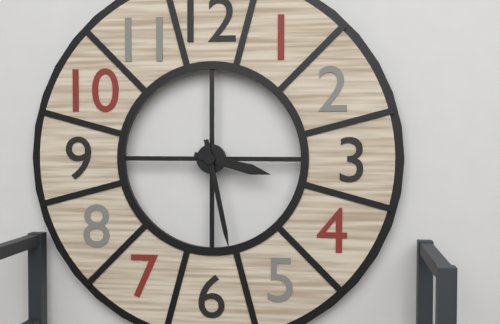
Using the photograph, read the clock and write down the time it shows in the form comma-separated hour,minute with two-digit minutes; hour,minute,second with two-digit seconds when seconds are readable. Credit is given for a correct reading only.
3,28
